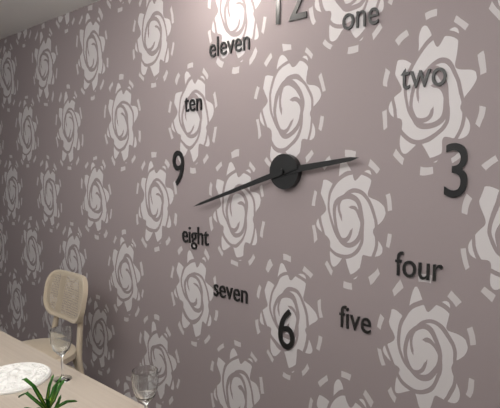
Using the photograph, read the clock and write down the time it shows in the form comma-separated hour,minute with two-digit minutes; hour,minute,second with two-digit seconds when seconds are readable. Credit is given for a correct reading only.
2,42
